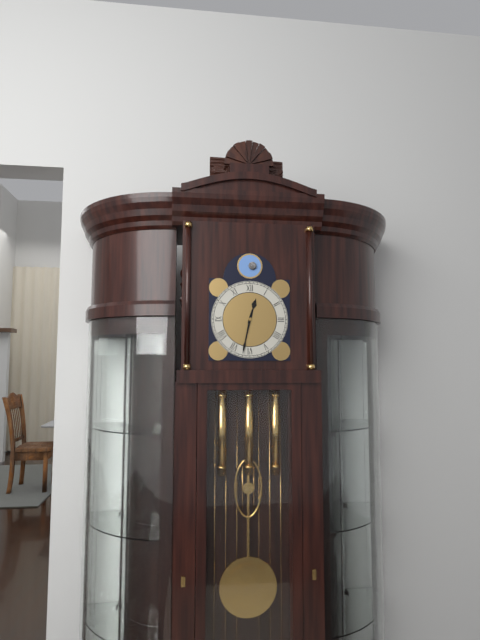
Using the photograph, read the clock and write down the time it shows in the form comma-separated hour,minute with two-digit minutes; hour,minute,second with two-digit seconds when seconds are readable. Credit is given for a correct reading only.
12,32
